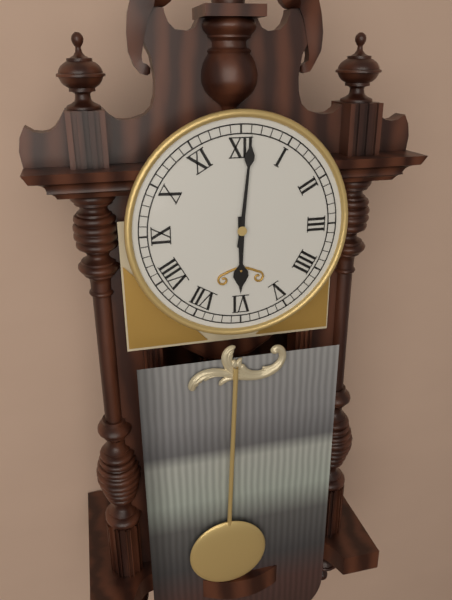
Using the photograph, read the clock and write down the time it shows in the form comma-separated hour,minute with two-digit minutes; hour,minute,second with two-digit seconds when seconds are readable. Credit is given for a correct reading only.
6,01
